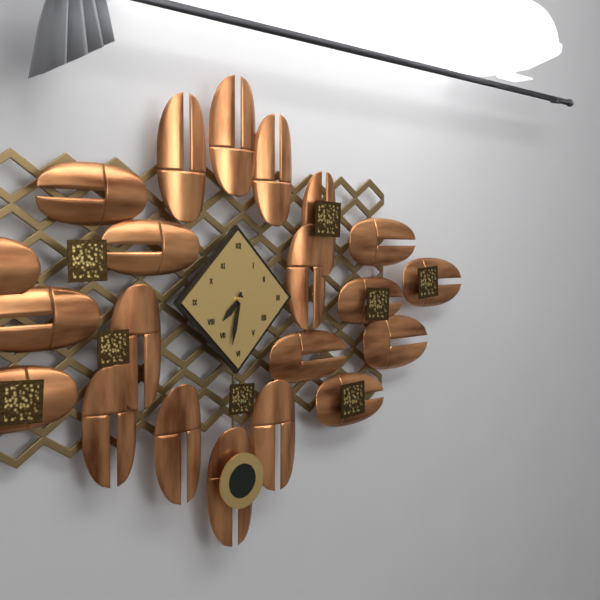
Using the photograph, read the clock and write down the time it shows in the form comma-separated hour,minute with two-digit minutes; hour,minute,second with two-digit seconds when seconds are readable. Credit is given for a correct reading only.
7,32
